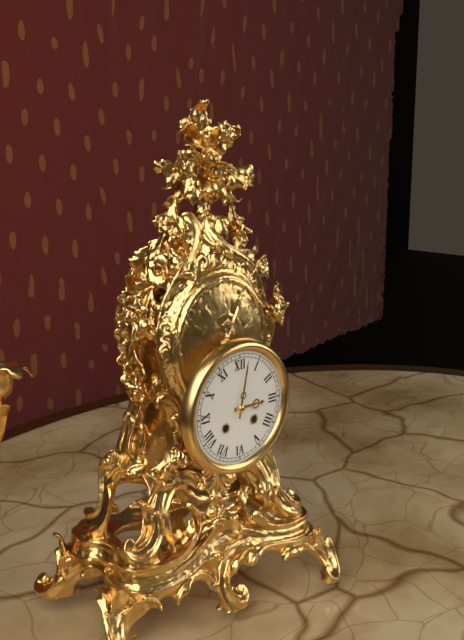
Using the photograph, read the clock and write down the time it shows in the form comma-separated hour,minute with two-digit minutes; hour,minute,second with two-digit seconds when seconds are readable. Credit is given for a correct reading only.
3,02
